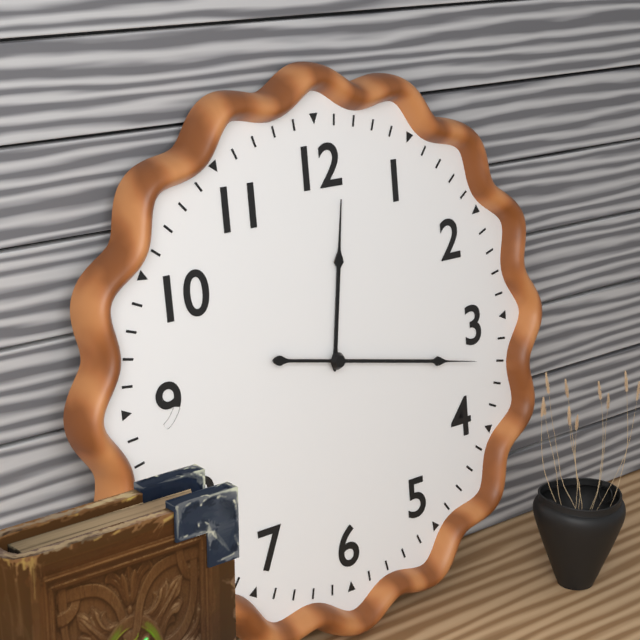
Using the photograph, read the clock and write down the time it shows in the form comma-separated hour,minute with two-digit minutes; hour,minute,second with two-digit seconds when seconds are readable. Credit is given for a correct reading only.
12,17
